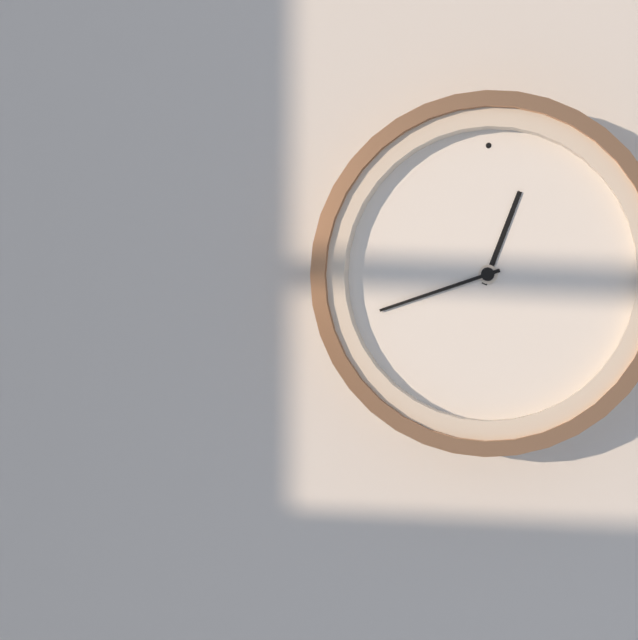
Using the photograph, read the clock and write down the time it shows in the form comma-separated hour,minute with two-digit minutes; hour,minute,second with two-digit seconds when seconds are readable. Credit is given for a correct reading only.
12,42
